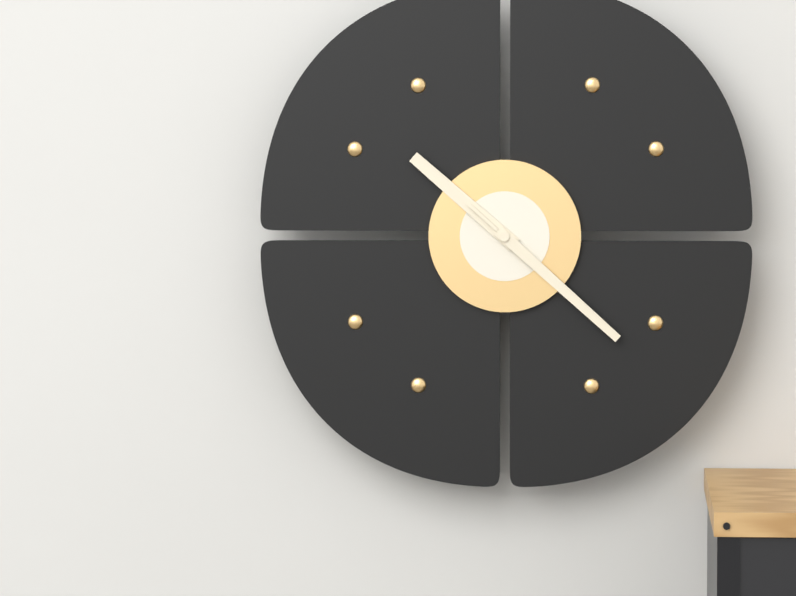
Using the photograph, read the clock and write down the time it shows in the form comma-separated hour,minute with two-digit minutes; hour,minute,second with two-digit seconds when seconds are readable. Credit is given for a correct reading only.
10,22
